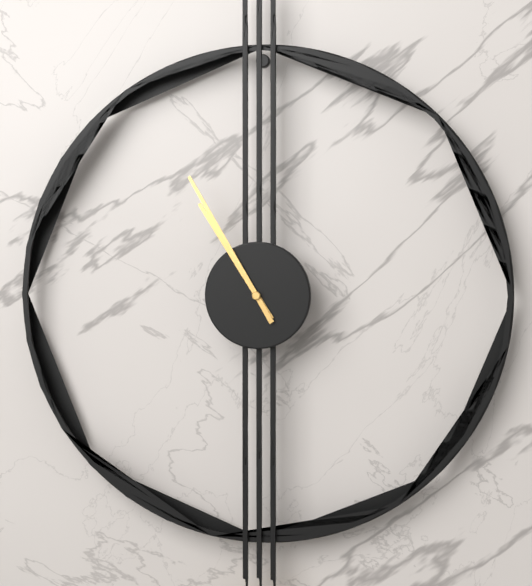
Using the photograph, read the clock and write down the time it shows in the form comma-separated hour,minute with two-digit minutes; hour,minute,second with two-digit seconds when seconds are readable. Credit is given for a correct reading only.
10,55
